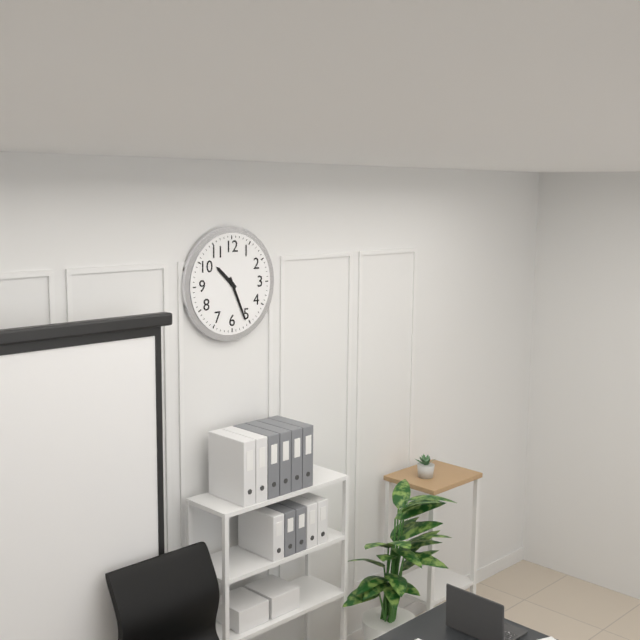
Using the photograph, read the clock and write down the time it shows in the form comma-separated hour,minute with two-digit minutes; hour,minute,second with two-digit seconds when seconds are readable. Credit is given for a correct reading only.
10,26
